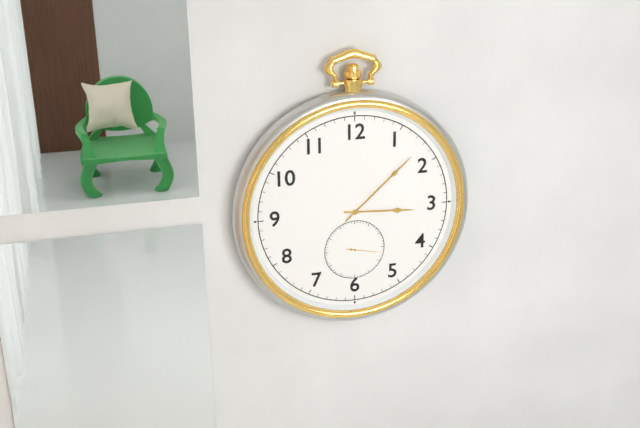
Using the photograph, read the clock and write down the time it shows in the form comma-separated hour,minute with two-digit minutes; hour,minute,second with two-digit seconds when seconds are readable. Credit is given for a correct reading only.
3,08
